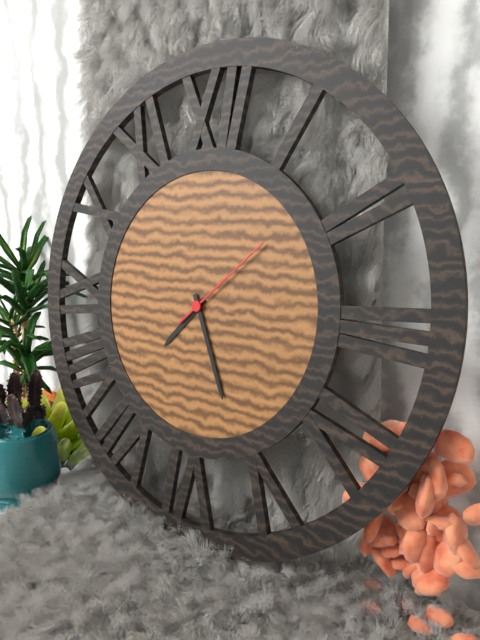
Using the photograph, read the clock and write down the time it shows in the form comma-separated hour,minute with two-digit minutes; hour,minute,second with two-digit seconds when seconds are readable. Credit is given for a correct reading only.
7,26,08
